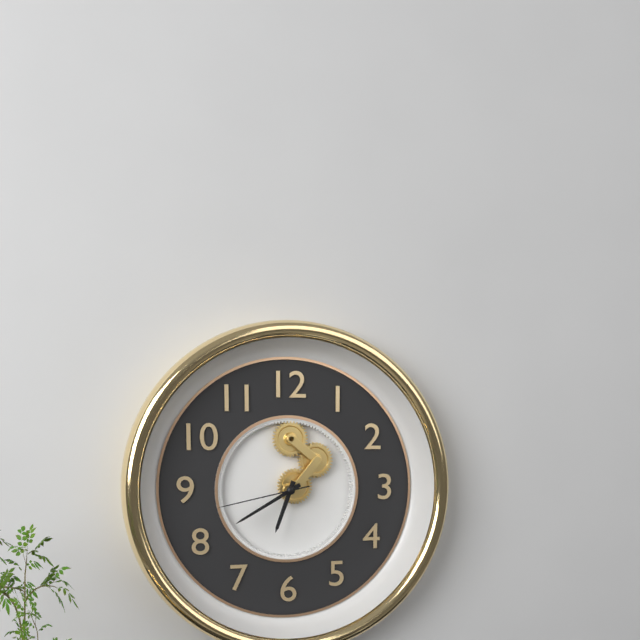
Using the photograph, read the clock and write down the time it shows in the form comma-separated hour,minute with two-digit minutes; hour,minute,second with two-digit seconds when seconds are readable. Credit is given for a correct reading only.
6,40,43
